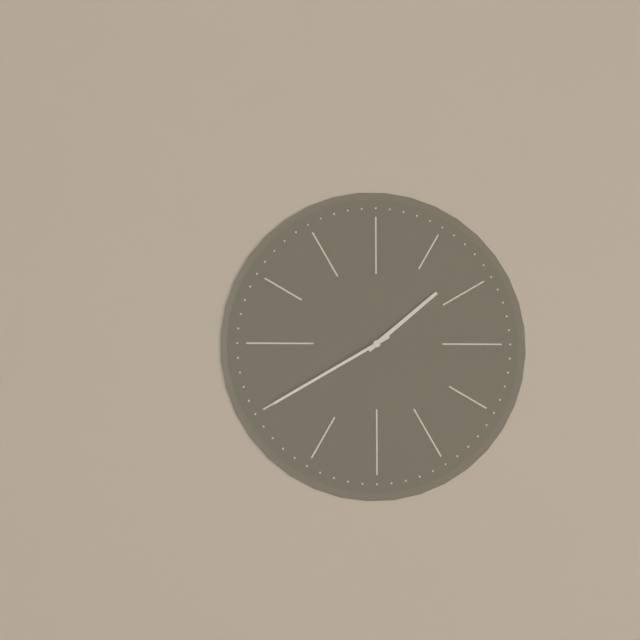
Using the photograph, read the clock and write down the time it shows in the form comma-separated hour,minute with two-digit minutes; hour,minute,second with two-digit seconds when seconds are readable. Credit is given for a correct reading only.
1,40
